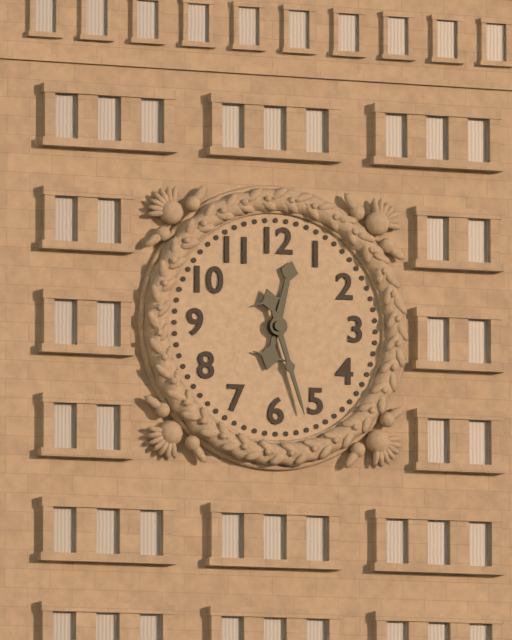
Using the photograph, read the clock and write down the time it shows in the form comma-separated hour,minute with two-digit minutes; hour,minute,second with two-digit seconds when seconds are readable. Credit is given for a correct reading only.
12,27
